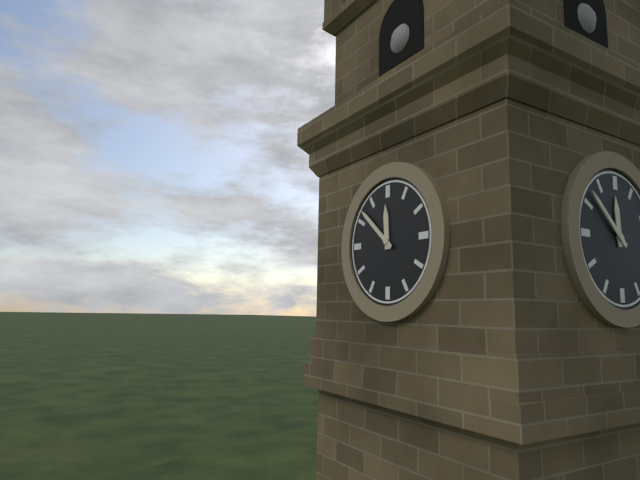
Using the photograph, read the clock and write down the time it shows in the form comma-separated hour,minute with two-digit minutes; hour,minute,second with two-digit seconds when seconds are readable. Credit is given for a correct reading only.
11,52
